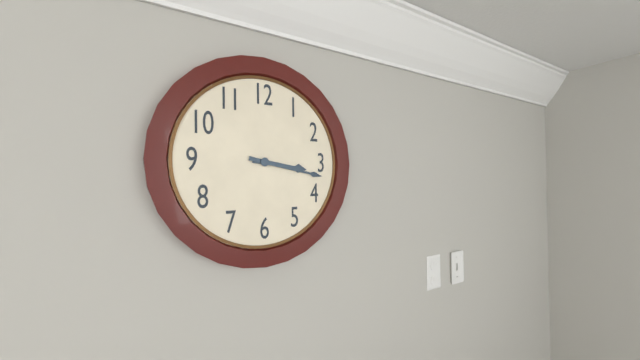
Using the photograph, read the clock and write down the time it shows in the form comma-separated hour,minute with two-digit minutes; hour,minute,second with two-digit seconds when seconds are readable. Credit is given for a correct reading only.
3,17
